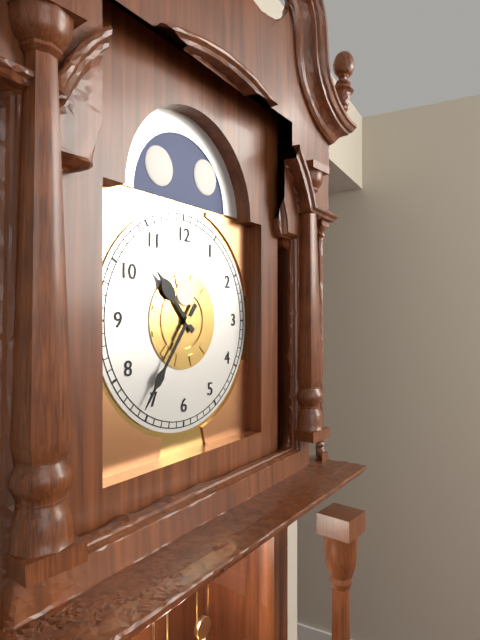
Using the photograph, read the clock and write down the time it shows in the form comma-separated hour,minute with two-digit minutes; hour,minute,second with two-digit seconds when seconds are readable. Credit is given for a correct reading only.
10,36
